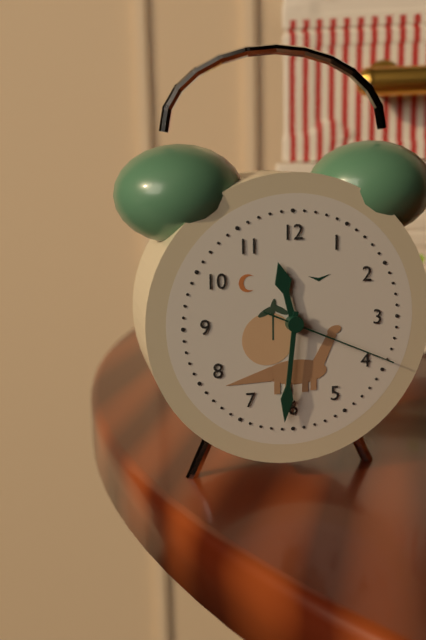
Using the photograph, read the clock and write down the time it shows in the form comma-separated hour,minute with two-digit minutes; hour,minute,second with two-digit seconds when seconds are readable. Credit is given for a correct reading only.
11,31,19
